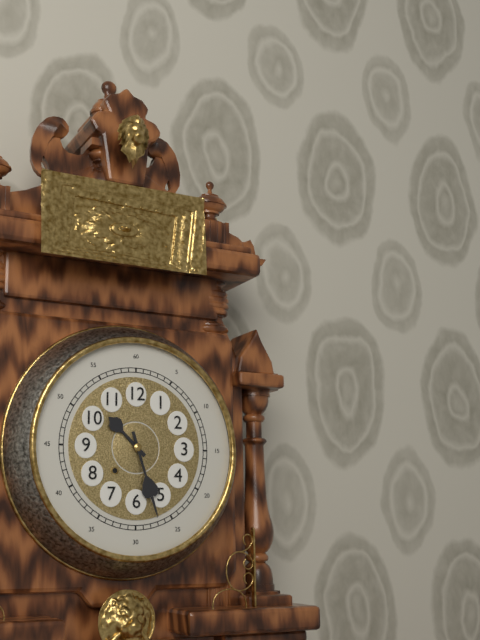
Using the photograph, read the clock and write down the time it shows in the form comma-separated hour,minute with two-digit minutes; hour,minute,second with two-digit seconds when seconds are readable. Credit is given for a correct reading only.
10,27
